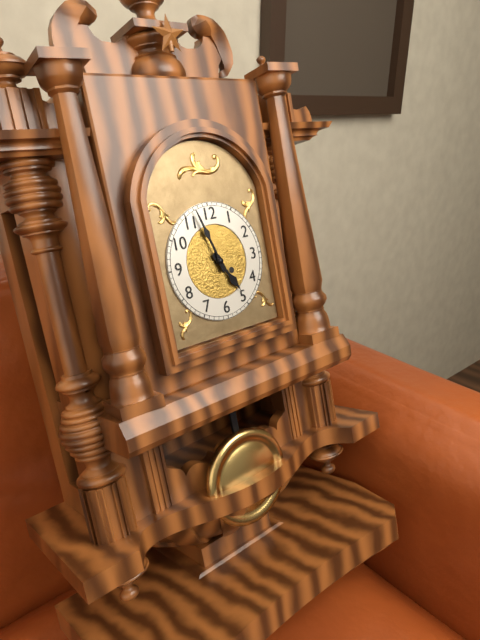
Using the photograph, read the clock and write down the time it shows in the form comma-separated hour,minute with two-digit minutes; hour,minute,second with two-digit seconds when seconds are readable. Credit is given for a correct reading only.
4,57
